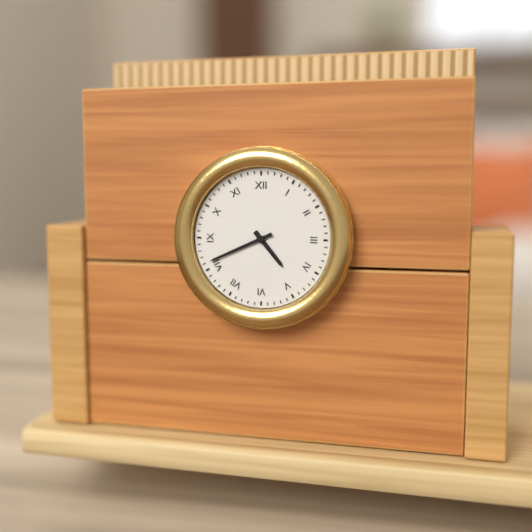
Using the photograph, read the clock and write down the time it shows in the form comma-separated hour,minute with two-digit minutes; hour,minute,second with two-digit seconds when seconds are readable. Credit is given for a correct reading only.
4,41
